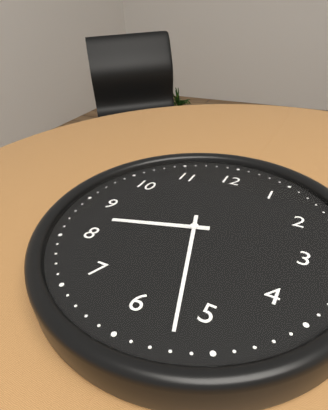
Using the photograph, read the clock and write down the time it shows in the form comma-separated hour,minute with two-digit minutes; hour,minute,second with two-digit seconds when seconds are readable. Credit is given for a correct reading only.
8,27
